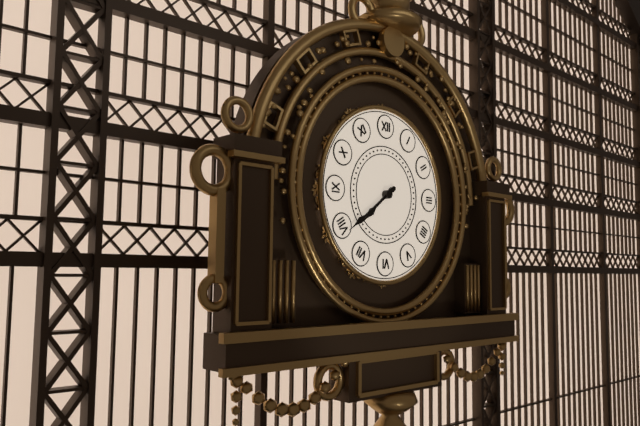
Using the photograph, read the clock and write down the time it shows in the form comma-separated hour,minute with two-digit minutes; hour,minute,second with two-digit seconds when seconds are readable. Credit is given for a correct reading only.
7,39
